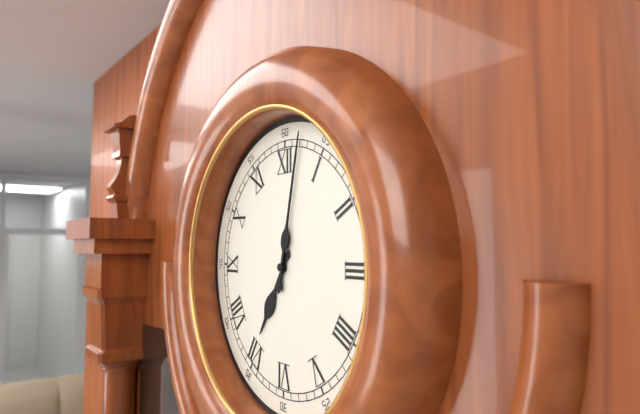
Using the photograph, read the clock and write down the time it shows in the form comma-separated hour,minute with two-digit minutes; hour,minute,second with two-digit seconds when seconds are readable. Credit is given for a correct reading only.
7,02
